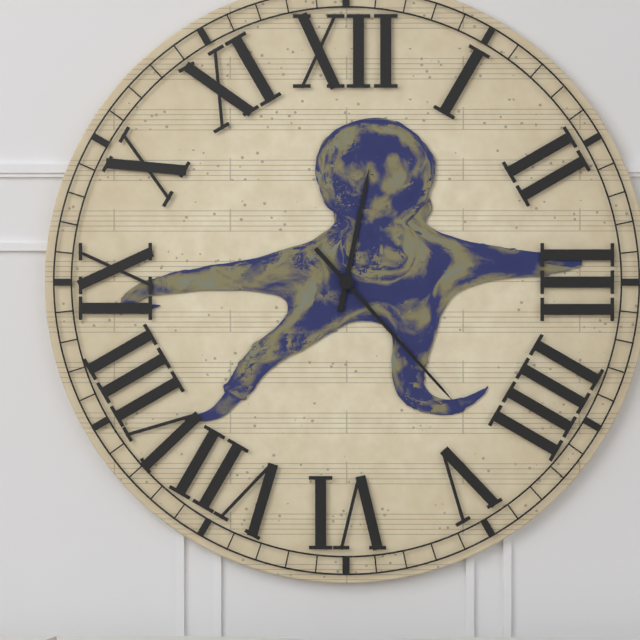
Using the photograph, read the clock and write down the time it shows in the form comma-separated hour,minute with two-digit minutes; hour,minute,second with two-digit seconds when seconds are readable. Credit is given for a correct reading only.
12,23
